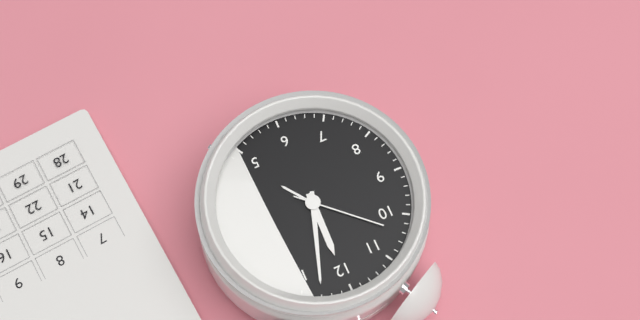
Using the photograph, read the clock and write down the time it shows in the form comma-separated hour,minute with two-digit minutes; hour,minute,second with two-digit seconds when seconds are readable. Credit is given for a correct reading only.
12,03,52
